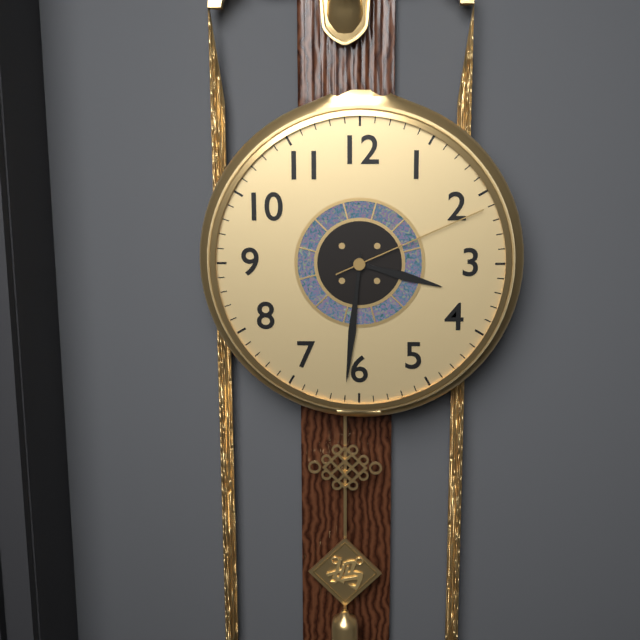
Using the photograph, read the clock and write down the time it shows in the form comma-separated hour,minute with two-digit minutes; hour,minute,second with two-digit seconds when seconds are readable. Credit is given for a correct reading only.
3,31,11
